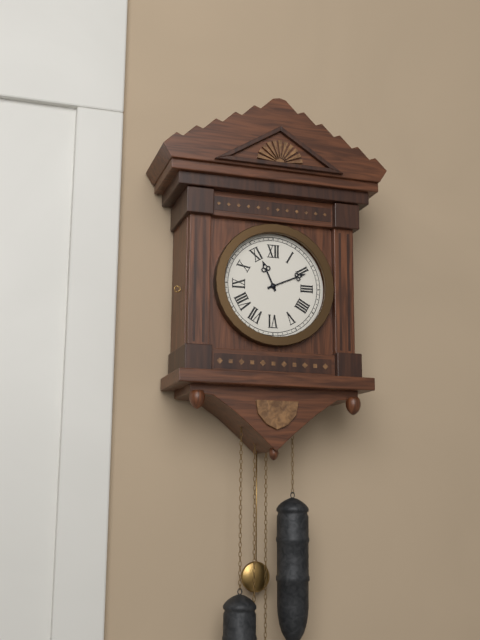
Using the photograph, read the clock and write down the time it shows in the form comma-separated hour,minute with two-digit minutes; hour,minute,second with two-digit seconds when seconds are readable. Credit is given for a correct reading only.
11,11
